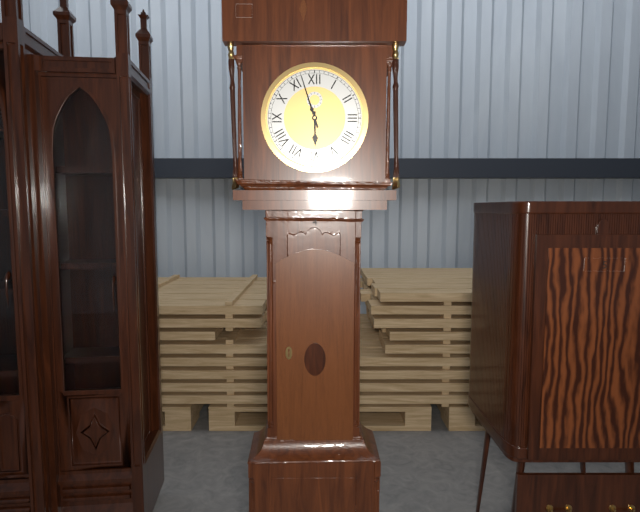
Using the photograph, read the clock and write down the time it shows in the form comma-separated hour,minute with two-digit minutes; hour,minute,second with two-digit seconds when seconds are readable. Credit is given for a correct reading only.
5,57
